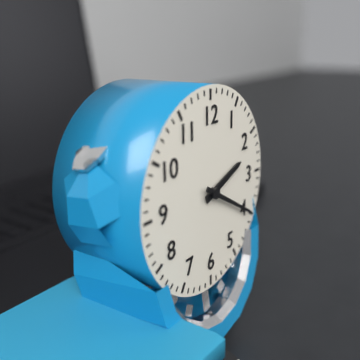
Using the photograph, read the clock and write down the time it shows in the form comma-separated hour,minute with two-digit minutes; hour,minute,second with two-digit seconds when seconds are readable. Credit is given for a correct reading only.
2,20
